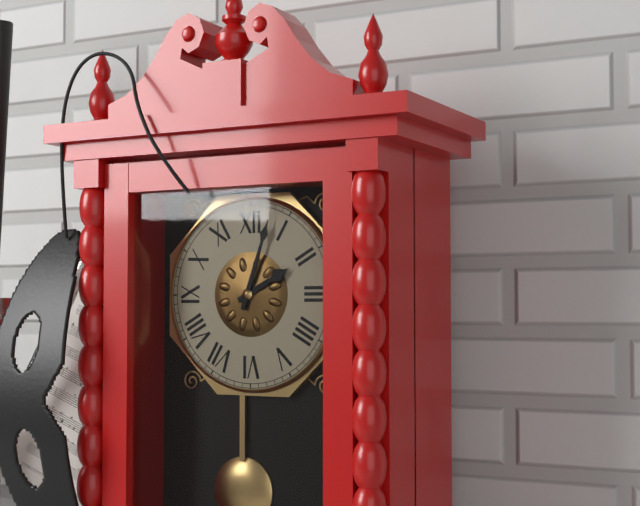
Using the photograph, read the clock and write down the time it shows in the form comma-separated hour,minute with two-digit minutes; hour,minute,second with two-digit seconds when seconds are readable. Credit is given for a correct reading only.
2,03
